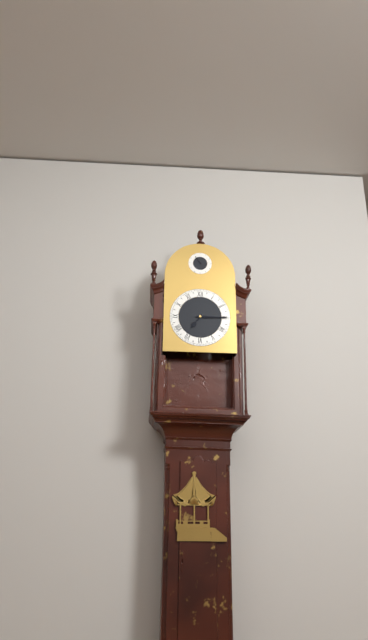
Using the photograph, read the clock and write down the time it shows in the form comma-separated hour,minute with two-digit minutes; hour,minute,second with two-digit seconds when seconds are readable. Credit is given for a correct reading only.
7,15
